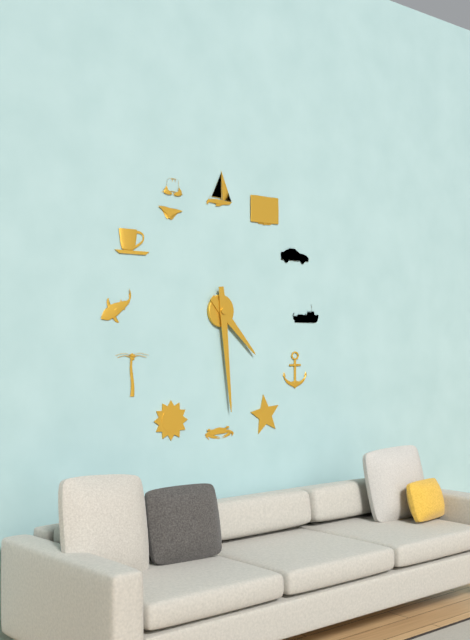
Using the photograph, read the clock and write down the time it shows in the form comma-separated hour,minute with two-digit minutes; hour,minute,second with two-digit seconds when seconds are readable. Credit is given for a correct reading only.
4,29
